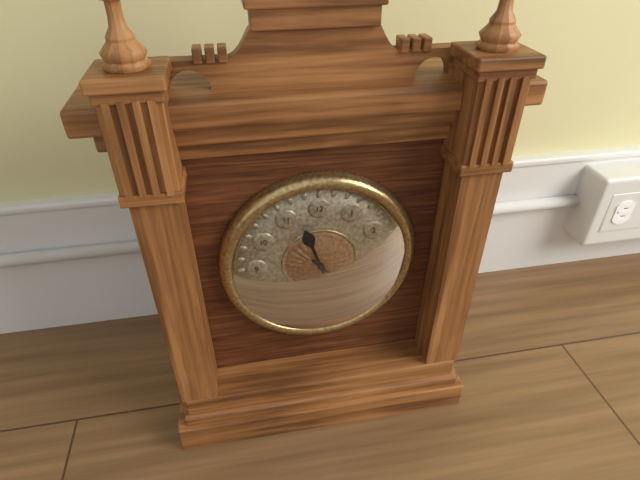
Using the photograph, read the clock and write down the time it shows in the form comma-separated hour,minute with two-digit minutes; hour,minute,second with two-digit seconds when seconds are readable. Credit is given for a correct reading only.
11,23
